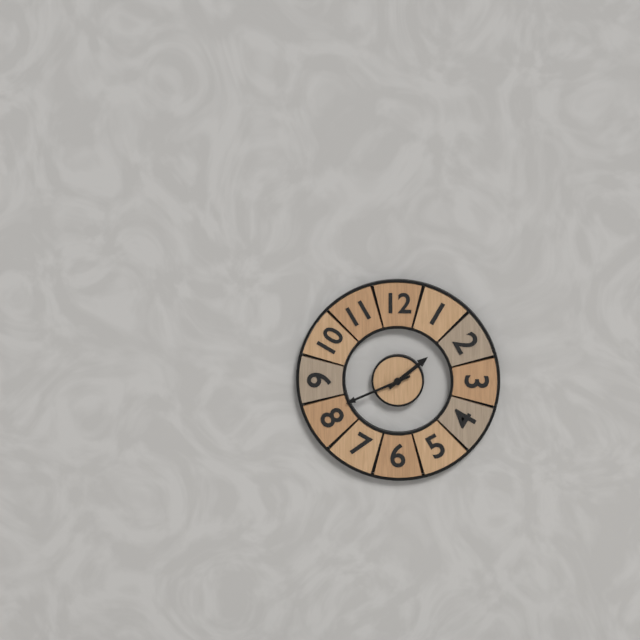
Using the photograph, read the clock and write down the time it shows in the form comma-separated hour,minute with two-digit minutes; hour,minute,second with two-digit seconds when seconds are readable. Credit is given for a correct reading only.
1,41
